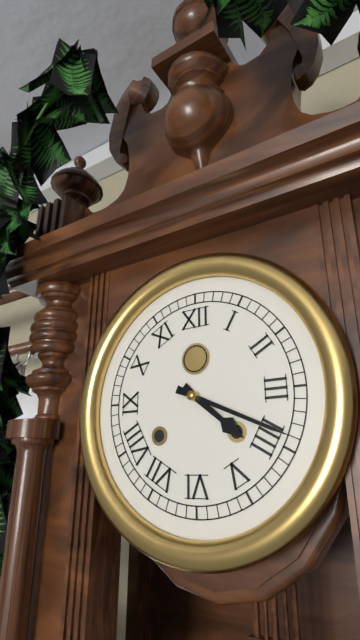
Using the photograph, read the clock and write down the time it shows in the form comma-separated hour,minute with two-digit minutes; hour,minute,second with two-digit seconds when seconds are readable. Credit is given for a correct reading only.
4,19
